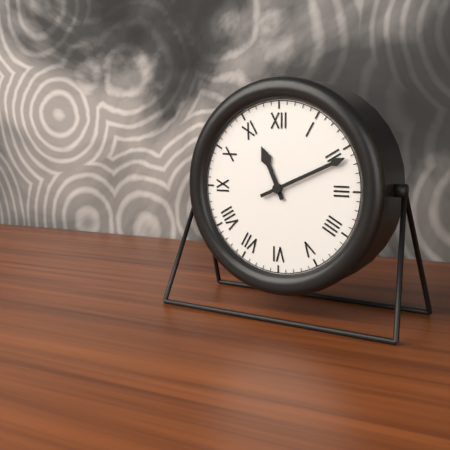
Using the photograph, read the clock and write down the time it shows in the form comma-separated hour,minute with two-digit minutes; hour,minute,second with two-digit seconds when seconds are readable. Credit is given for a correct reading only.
11,11
